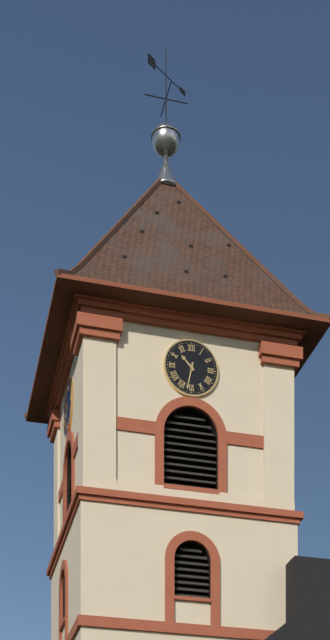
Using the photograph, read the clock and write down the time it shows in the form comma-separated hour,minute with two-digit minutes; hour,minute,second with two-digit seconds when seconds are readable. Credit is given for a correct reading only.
10,32
